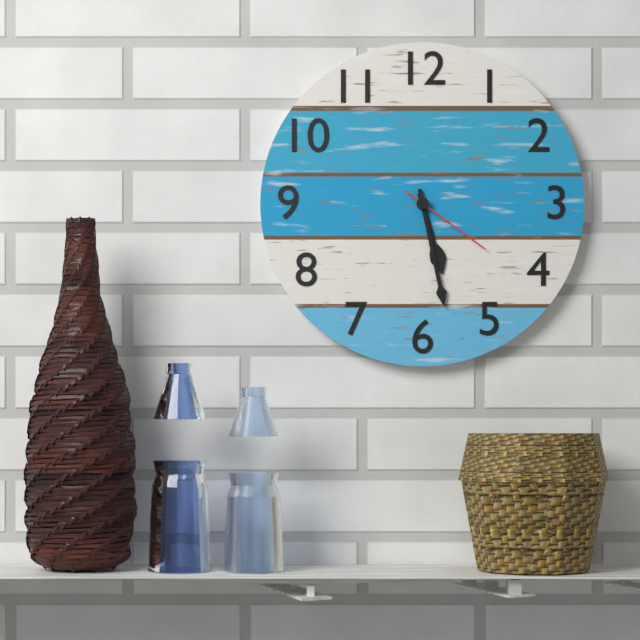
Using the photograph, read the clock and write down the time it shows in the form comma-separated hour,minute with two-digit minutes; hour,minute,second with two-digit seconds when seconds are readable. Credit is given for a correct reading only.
5,28,21
